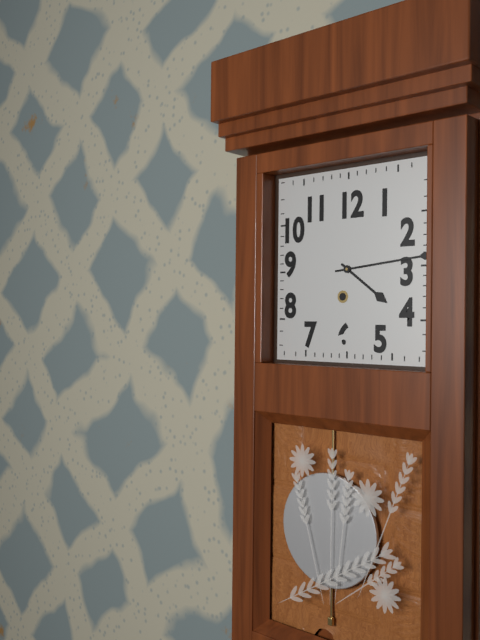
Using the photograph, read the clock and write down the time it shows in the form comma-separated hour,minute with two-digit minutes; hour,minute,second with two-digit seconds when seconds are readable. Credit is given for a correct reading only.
4,14
